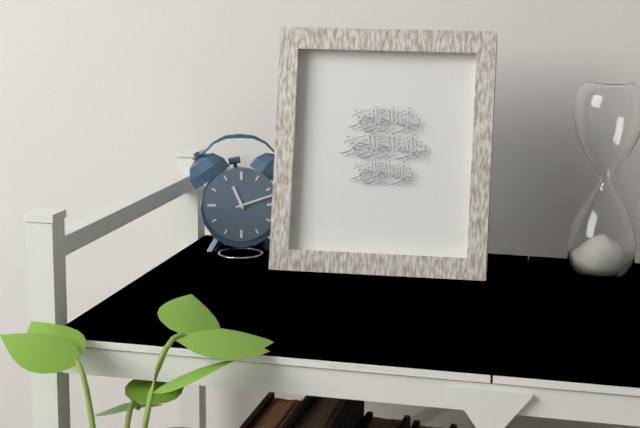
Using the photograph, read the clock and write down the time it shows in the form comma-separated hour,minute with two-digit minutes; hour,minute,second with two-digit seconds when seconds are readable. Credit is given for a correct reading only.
11,12
